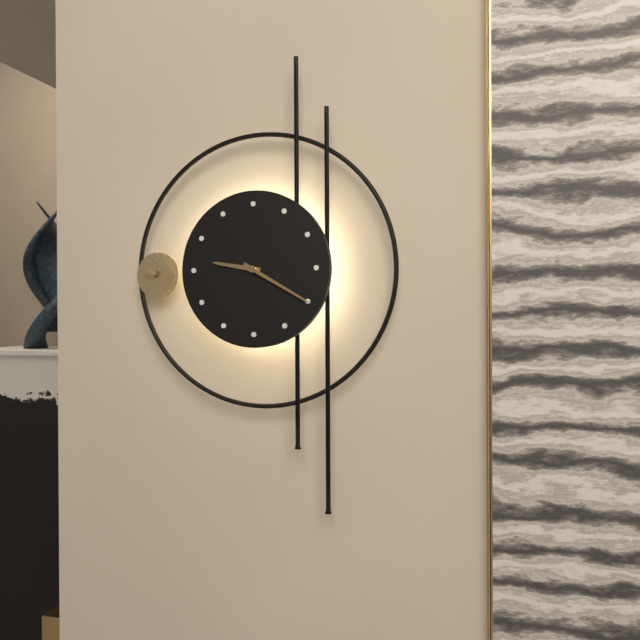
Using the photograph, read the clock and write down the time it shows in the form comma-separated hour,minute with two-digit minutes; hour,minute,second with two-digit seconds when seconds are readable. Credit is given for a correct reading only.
9,20
